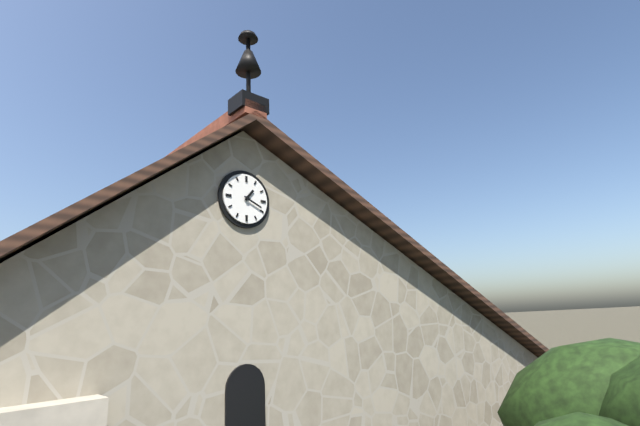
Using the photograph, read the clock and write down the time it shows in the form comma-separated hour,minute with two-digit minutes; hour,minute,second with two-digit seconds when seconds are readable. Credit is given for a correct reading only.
1,19
